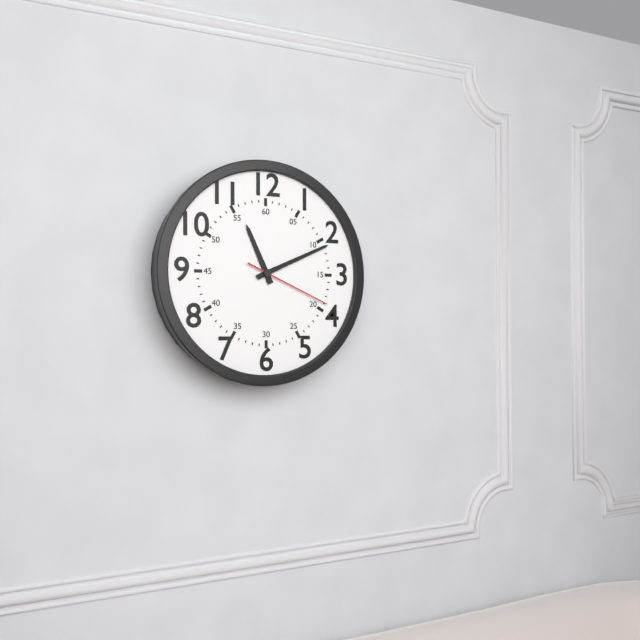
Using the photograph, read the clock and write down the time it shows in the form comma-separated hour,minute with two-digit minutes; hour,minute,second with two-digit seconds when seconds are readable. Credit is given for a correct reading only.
11,11,19
